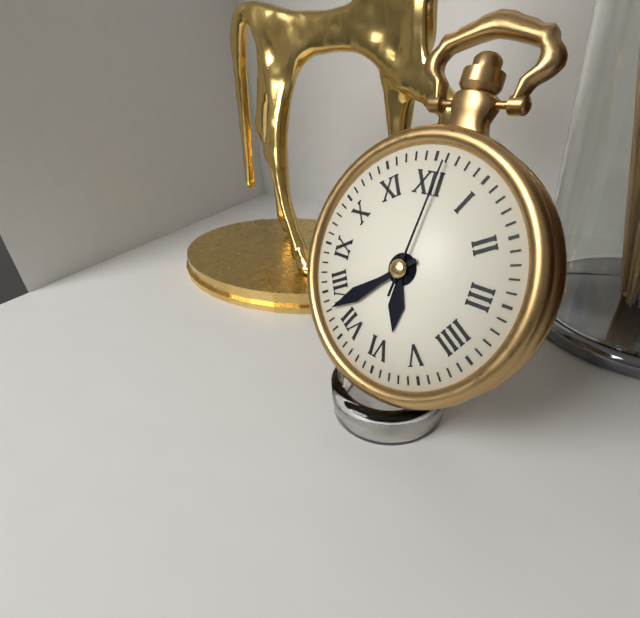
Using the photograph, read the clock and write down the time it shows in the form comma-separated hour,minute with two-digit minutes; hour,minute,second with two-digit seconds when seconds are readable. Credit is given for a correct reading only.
5,38,01
